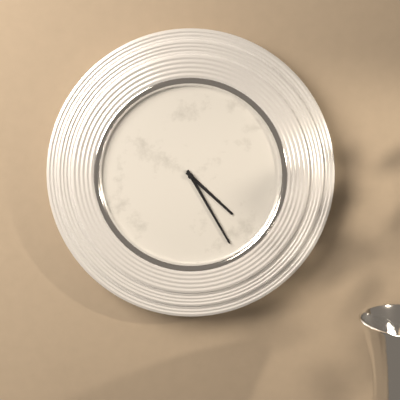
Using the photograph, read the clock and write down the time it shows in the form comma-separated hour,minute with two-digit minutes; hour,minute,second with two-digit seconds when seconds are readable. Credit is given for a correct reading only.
4,25
